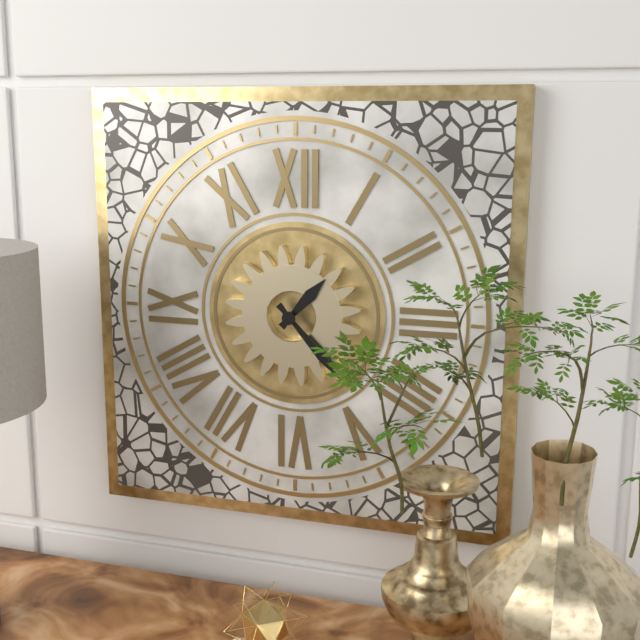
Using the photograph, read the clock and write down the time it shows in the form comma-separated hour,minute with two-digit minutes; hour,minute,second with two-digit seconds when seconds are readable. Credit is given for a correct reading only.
1,23
